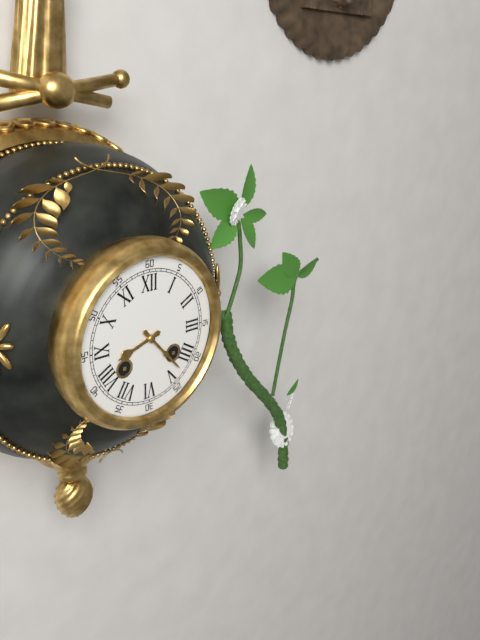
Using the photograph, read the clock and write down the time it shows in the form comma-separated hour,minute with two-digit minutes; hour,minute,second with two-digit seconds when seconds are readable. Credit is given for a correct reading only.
8,23
